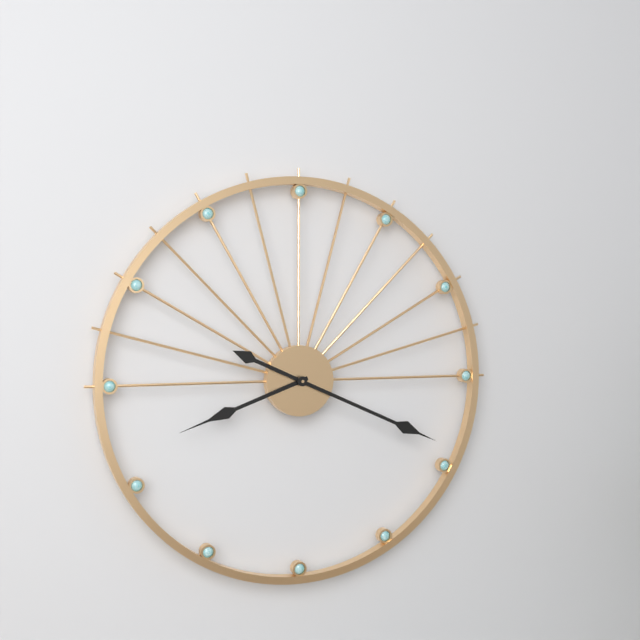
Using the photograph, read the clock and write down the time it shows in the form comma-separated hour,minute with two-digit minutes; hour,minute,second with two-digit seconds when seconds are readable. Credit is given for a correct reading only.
8,19
